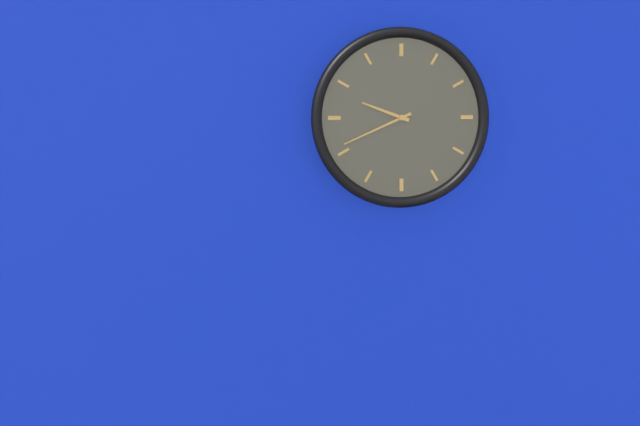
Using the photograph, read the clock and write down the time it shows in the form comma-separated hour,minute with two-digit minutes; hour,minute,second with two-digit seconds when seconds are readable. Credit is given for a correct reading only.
9,41
